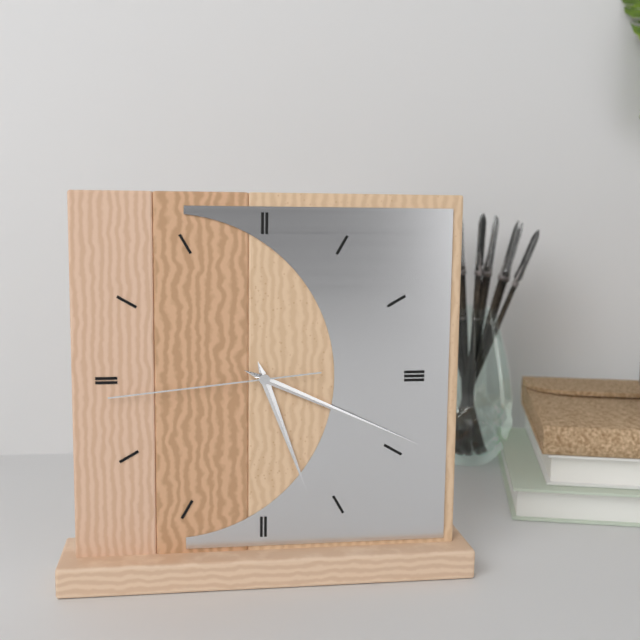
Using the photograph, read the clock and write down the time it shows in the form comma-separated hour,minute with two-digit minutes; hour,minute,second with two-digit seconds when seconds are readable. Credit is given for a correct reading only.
5,19,44
